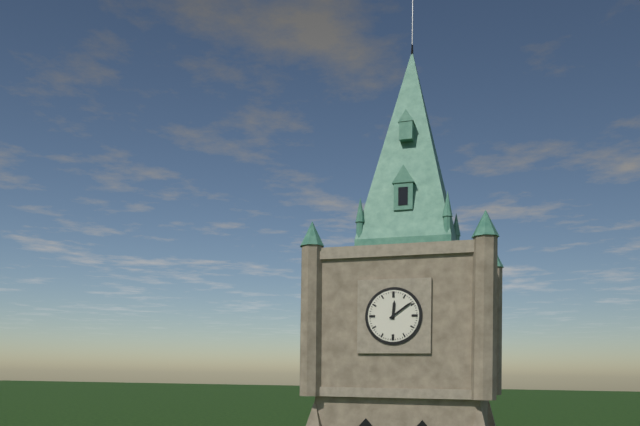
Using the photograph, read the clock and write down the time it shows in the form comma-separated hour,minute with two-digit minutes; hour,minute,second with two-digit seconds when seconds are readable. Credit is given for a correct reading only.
12,09
